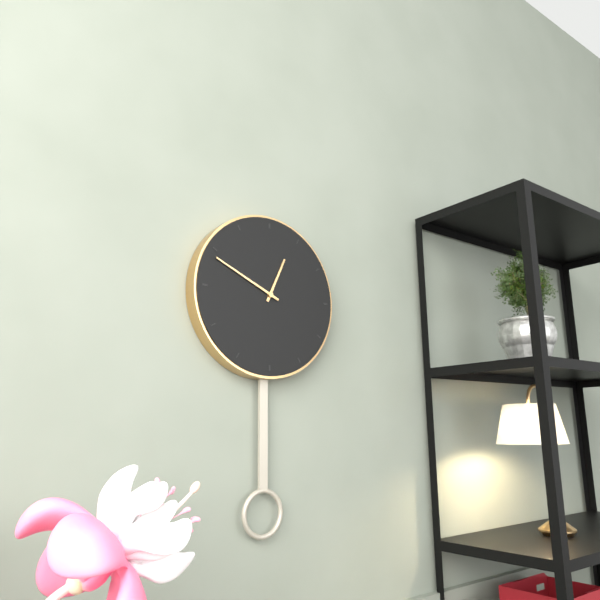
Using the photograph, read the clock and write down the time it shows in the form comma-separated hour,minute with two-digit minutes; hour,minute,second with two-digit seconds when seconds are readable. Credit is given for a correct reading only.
12,49
